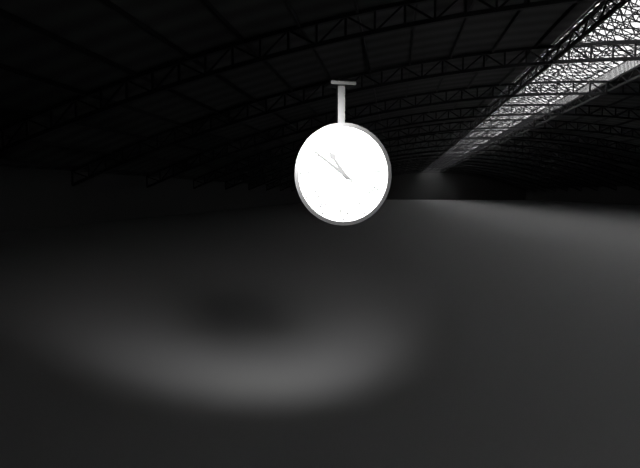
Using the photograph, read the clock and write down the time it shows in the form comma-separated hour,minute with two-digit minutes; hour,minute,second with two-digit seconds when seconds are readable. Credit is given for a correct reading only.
10,51
